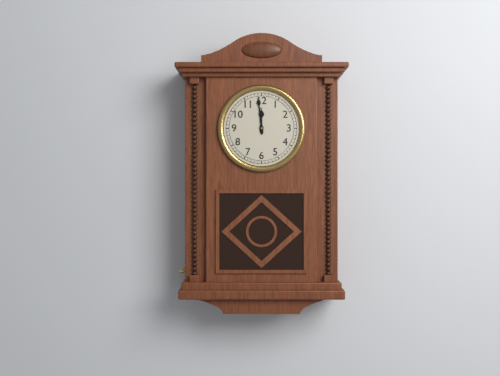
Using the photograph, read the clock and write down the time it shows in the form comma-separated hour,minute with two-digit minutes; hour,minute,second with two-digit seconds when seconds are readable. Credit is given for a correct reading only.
11,59
